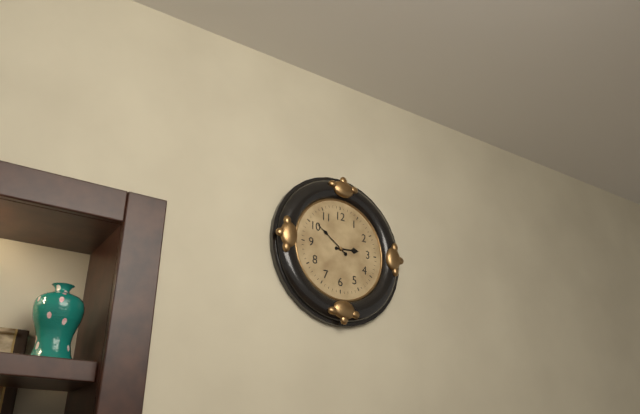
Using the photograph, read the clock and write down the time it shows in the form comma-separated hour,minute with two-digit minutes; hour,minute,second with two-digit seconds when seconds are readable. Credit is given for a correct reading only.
2,51
